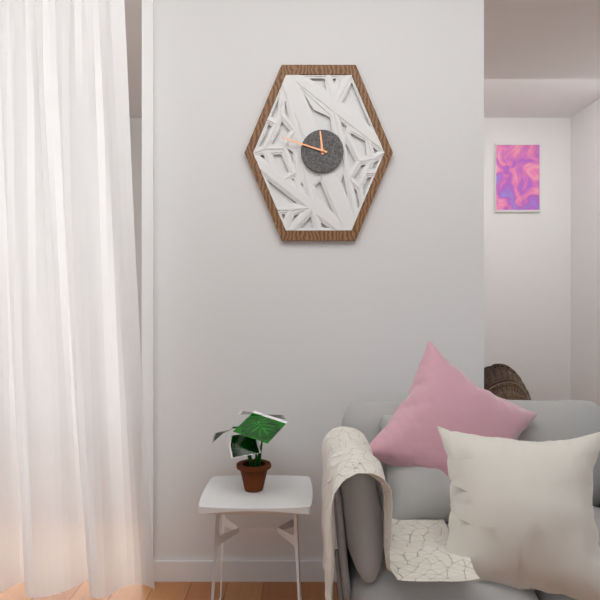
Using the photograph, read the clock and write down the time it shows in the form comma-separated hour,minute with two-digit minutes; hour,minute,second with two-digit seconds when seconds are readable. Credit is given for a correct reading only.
11,48
